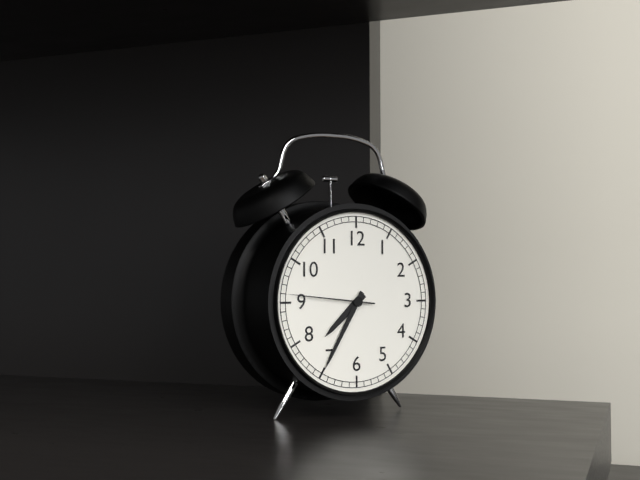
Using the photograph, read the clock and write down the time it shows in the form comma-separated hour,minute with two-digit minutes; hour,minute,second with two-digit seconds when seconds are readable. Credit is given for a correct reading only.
7,35,46
